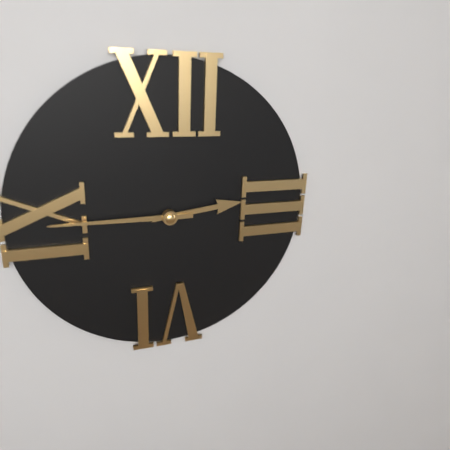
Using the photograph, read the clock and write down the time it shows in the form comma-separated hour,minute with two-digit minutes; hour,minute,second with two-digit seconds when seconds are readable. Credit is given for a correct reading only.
2,45
